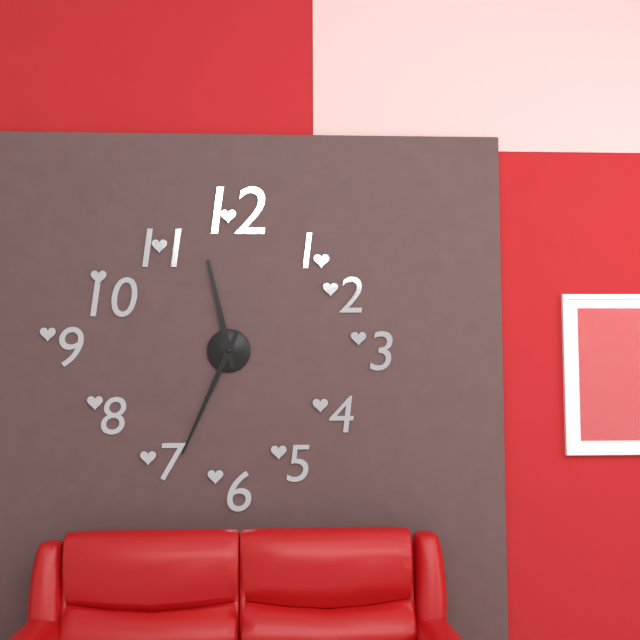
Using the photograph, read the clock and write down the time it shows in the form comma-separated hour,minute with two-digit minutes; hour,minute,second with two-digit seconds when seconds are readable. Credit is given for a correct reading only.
11,34
